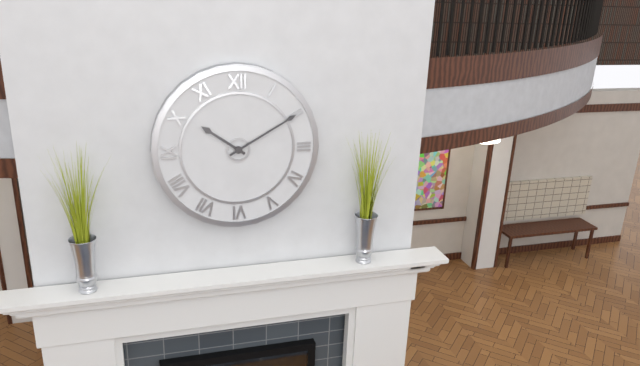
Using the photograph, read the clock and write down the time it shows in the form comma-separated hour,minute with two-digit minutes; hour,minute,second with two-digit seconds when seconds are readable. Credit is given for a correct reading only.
10,10
